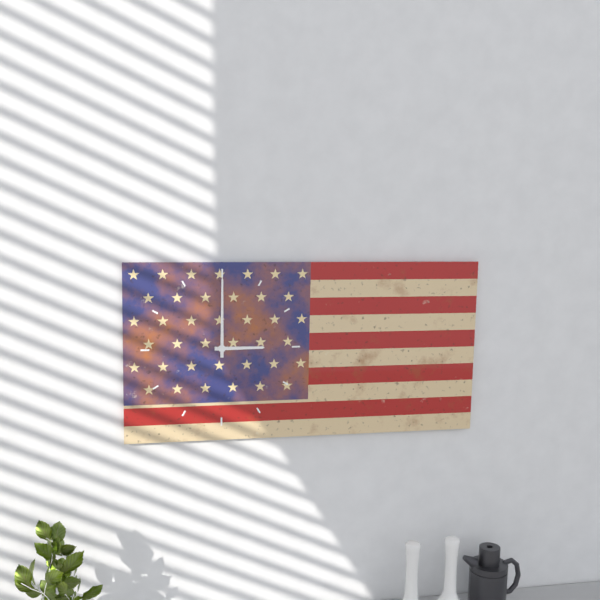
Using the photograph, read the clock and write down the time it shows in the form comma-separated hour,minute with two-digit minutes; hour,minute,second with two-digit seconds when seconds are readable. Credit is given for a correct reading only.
3,00
